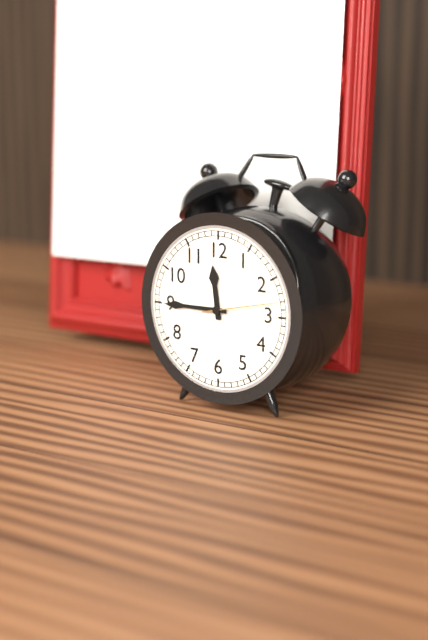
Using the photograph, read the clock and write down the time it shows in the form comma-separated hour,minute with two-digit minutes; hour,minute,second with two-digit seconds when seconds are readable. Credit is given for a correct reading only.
11,45,13
